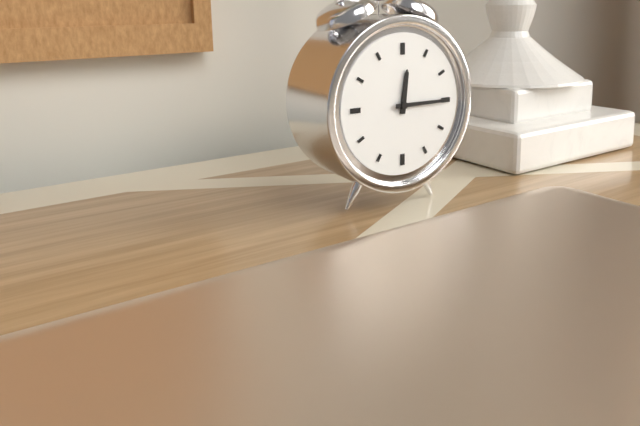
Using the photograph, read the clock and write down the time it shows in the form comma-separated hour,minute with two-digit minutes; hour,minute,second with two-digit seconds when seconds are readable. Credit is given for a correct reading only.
12,15
